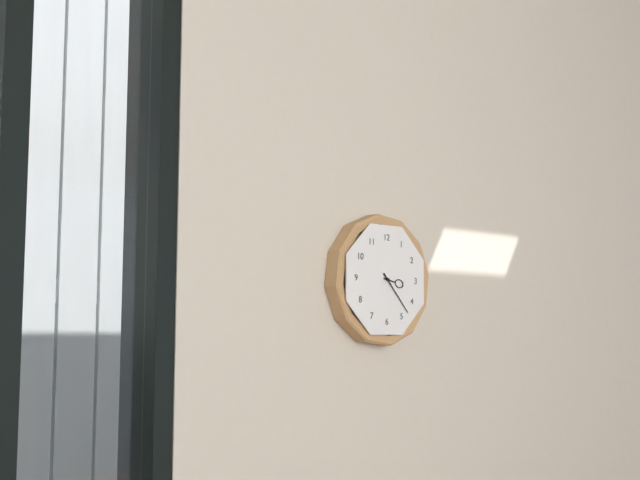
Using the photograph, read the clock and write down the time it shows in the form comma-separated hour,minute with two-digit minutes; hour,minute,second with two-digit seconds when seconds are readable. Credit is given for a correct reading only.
3,23
